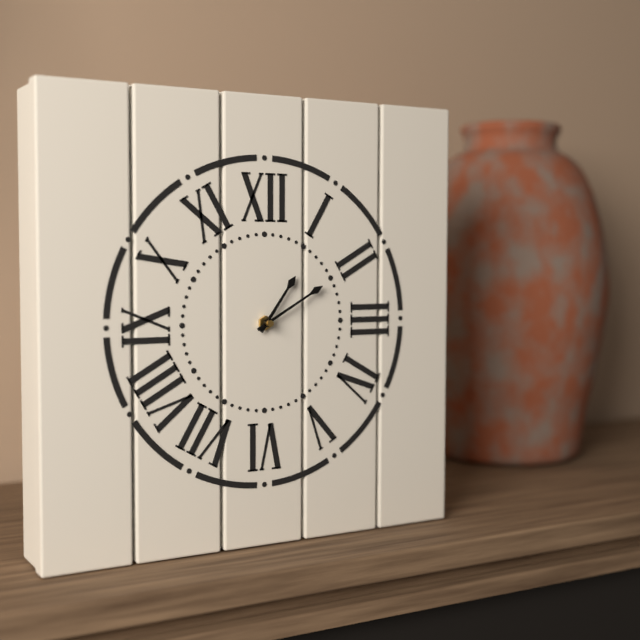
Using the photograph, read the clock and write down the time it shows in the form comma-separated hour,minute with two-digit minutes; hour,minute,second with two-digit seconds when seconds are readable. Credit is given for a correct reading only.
1,10
